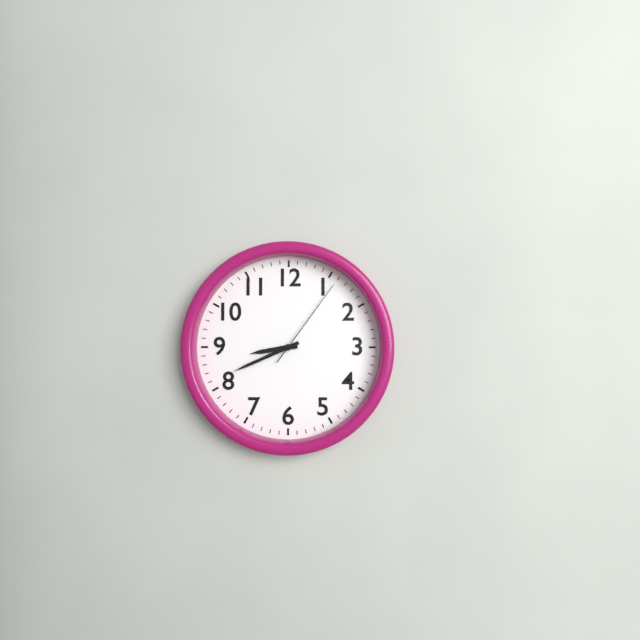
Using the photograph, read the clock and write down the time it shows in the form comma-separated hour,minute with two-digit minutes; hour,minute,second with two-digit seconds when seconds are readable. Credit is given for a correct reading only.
8,41,06
